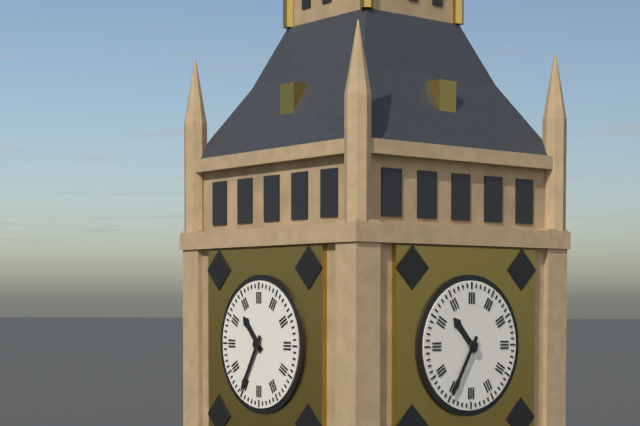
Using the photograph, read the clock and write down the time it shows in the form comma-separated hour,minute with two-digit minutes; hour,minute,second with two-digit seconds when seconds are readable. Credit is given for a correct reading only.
10,35
